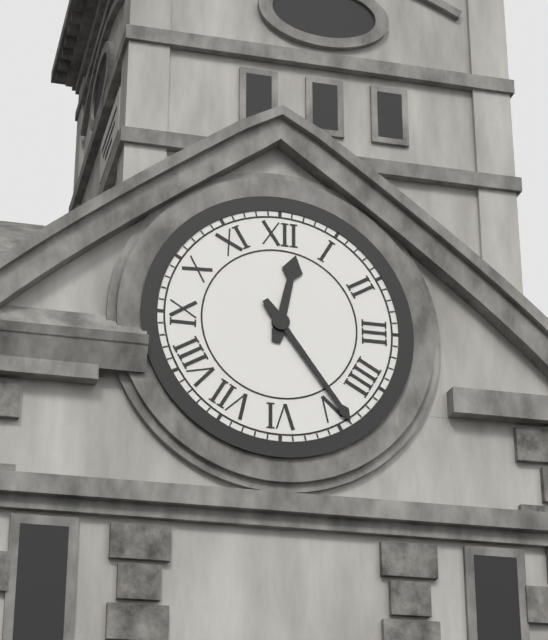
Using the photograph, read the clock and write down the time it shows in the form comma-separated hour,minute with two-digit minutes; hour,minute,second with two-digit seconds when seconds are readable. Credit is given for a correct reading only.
12,24
